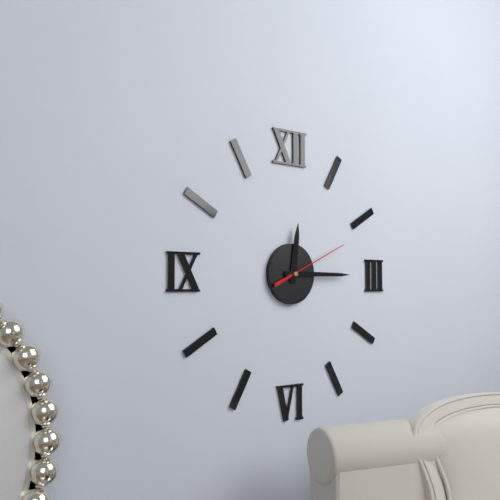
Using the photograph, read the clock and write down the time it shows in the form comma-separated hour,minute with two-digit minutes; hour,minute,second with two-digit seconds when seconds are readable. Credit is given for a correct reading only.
12,15,11
